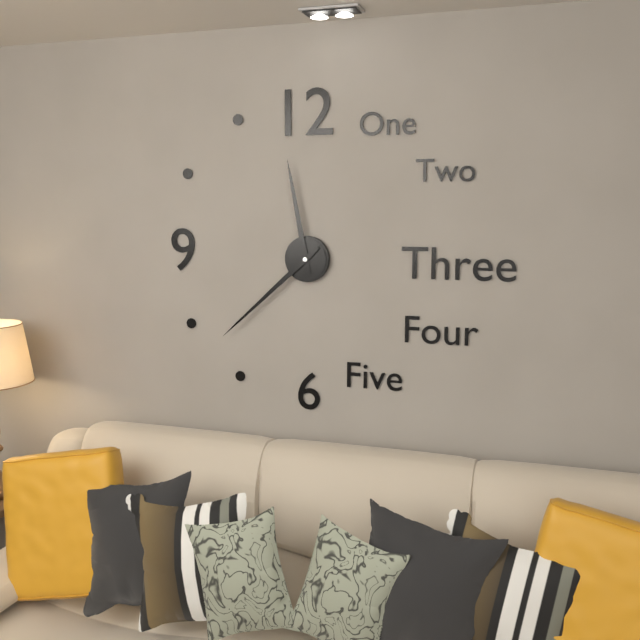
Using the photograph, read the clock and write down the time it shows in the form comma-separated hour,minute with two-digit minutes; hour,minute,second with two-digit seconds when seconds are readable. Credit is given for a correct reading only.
11,38
